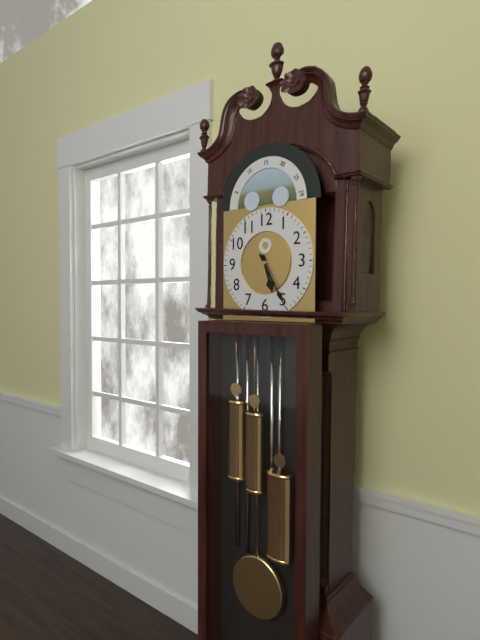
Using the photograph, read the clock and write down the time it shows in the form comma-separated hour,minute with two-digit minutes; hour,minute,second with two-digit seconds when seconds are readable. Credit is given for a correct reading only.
5,25
